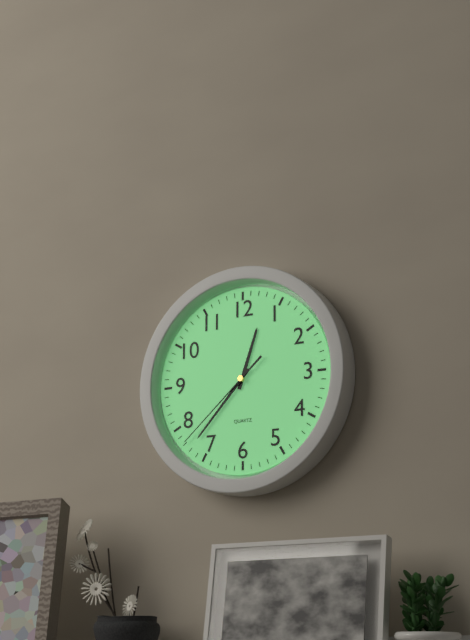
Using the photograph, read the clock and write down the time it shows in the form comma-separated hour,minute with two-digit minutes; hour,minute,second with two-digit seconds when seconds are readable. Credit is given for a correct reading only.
12,37,38
